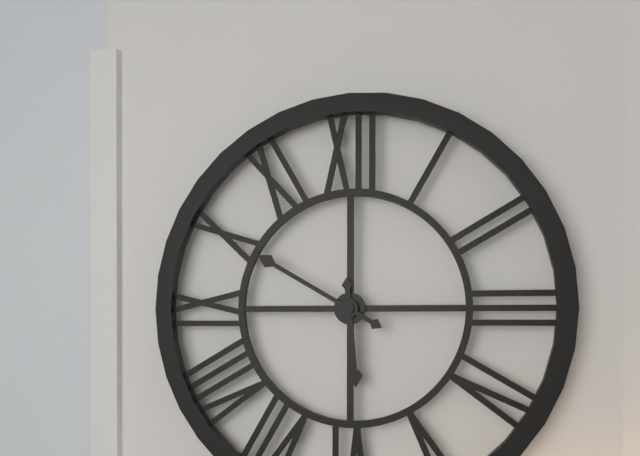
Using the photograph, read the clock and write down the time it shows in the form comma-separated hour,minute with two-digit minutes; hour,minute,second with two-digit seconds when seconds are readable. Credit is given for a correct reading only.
5,50
